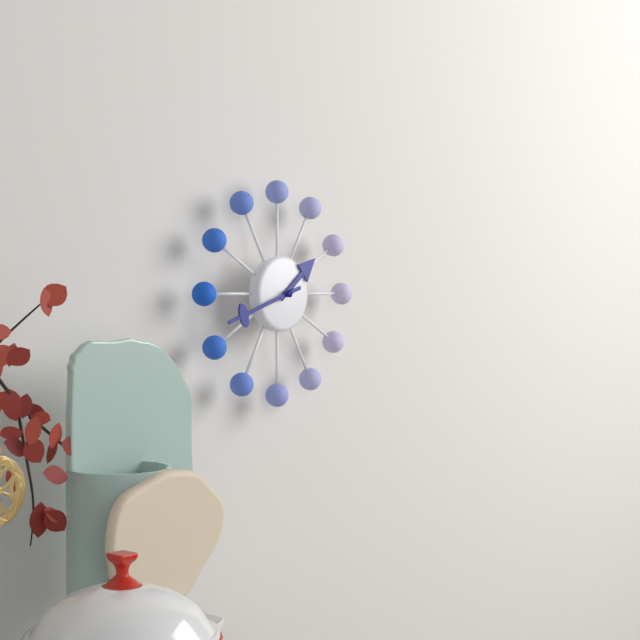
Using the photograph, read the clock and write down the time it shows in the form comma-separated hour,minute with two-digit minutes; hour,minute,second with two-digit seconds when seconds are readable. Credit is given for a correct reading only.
1,42
